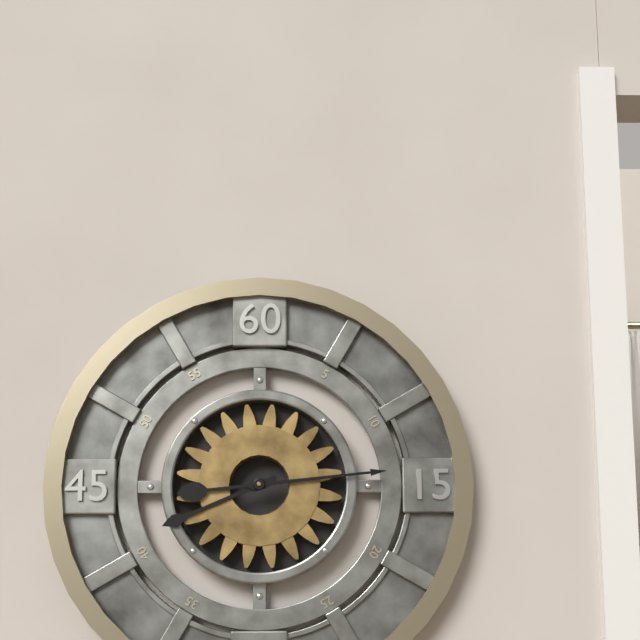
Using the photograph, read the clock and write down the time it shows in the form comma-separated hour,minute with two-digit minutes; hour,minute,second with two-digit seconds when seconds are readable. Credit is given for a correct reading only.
8,14
